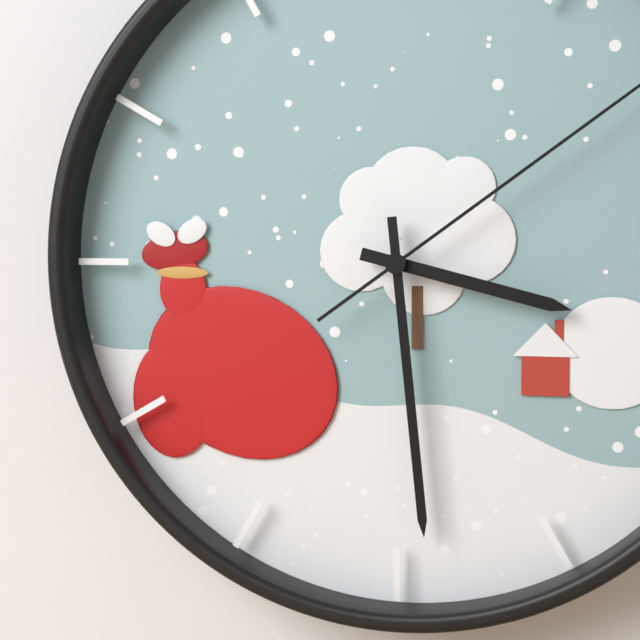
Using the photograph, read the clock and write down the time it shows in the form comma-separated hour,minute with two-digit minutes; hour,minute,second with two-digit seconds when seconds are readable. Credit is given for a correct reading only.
3,29
